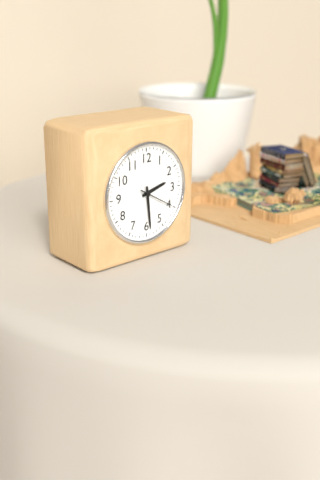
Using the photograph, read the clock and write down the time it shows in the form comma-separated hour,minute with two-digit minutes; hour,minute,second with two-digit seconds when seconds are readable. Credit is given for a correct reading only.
2,29
